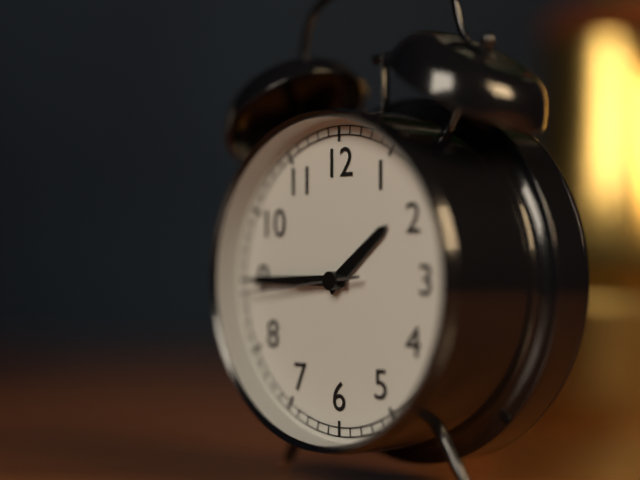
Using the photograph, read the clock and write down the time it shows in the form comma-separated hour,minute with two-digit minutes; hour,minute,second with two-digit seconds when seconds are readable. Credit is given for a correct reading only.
1,45,44
